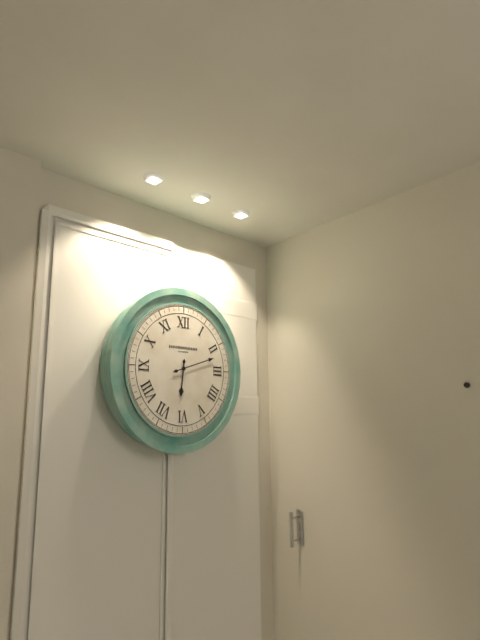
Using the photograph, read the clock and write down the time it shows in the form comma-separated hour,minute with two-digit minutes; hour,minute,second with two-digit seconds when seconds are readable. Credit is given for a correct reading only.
6,12
